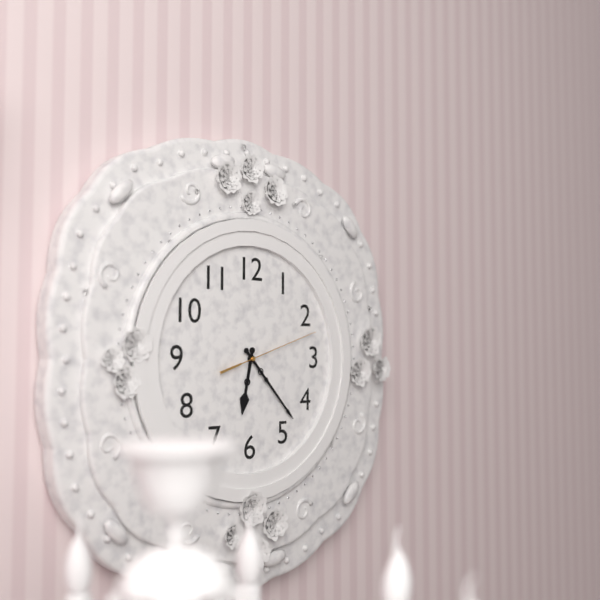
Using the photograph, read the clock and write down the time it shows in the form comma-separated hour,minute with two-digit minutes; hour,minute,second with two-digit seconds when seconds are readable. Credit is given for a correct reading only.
6,23,12
